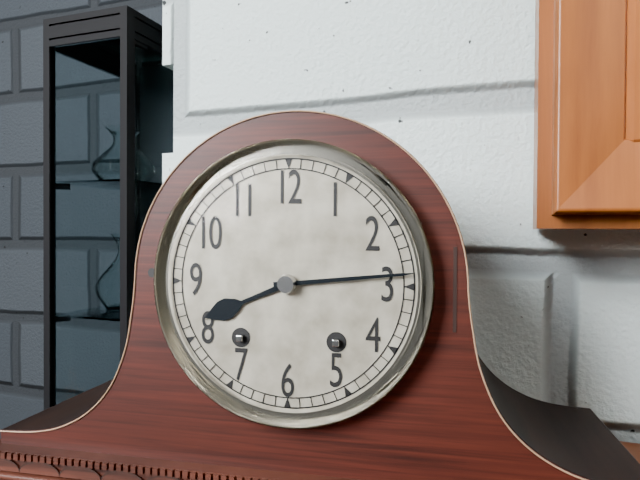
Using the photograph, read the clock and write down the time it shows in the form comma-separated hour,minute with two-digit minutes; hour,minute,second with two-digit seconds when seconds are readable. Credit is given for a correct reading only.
8,14
